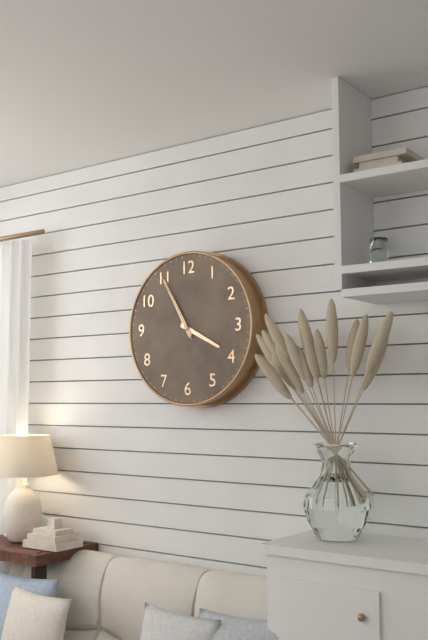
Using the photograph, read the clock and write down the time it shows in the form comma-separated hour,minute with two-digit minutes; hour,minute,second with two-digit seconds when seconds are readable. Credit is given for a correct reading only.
3,55,55
